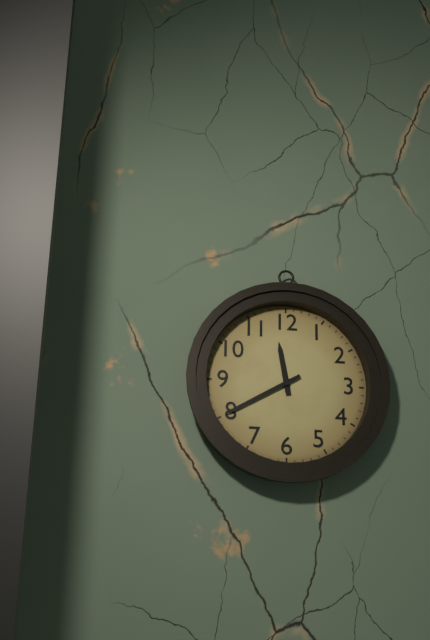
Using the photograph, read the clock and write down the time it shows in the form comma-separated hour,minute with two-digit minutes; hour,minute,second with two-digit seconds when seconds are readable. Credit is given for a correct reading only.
11,40
